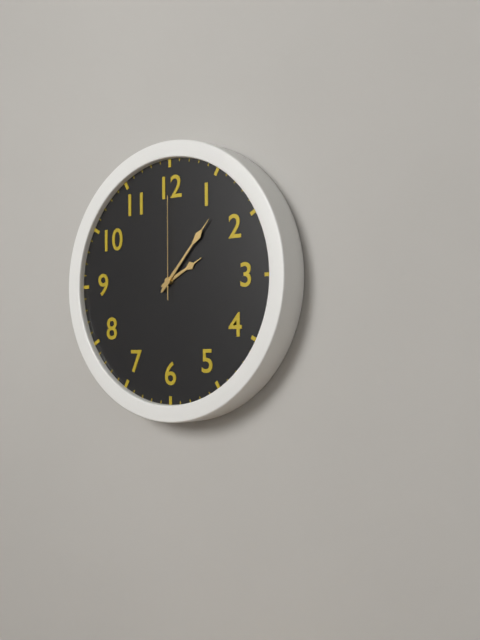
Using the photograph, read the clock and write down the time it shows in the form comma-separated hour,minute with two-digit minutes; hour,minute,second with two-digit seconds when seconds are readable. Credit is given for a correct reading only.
2,07,00
